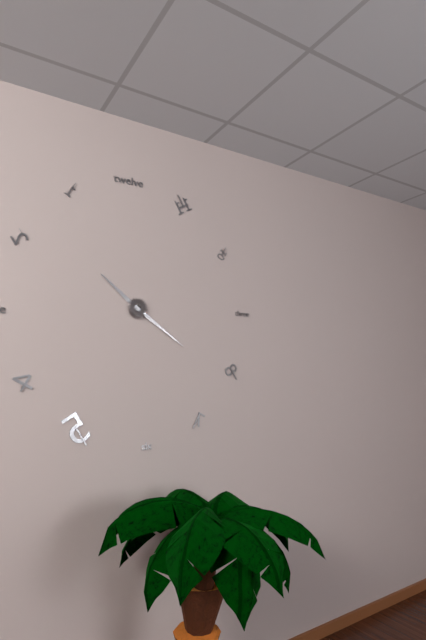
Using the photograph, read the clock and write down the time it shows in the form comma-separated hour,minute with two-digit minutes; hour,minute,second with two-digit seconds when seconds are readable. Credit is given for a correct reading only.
10,21
